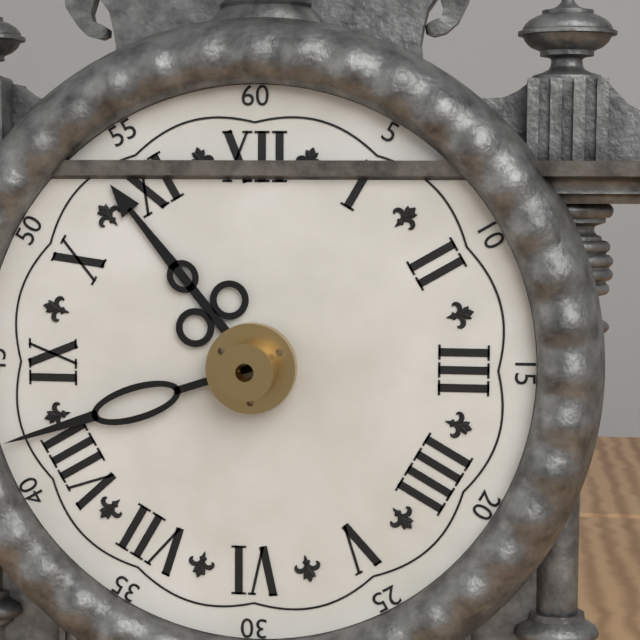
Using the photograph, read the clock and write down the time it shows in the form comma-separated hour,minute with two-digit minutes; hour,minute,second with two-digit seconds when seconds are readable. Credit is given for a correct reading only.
10,42
